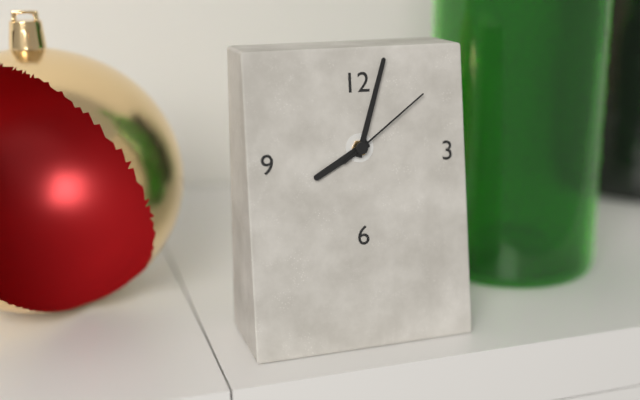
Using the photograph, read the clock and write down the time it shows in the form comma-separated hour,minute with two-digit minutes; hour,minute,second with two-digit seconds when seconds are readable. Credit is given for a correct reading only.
8,03,09
